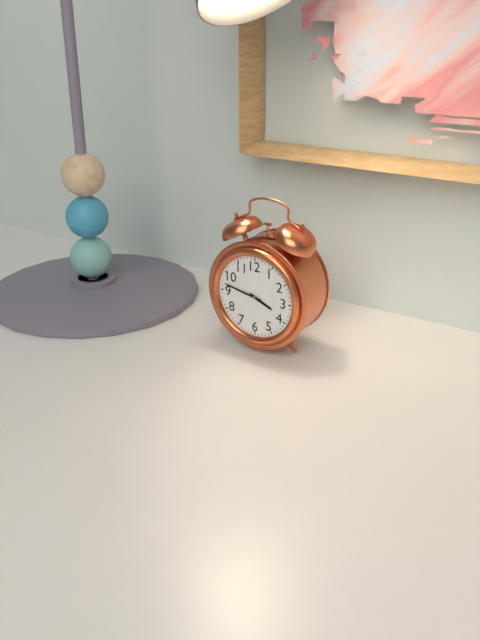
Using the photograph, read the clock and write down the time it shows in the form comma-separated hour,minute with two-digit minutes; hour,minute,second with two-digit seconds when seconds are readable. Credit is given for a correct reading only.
3,47
